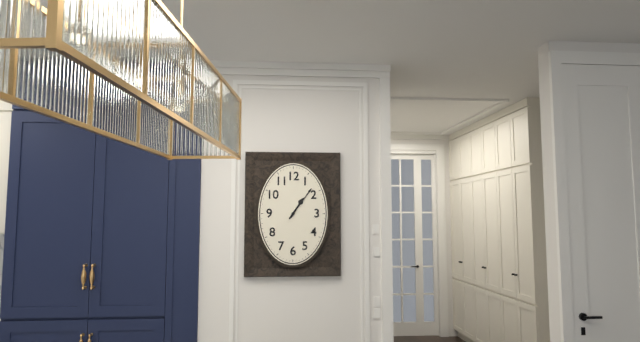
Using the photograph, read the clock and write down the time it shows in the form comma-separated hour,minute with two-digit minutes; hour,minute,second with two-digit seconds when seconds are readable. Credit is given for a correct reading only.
1,06
